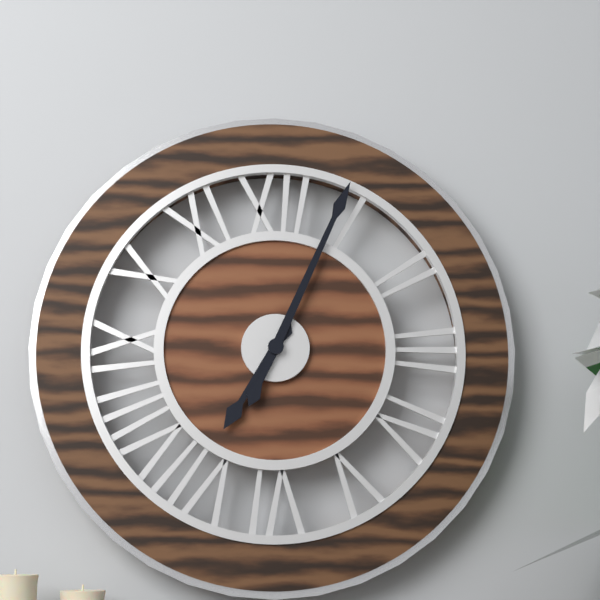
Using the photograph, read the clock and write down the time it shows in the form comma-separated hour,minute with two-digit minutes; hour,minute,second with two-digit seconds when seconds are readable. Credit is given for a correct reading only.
7,04
